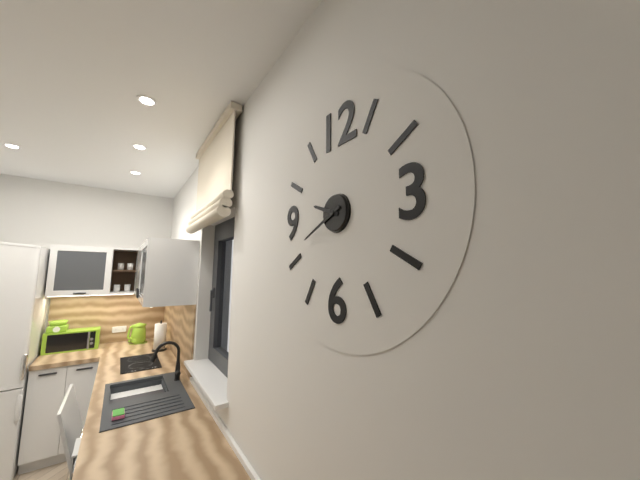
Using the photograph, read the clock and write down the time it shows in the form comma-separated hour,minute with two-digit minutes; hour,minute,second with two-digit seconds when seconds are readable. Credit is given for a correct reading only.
9,41
